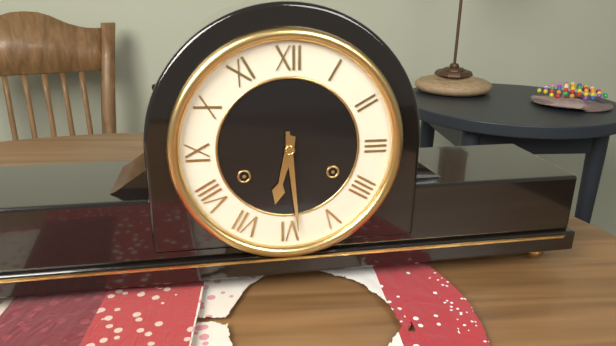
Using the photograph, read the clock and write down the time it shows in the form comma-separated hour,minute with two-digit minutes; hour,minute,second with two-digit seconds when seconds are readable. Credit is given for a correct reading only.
6,29
